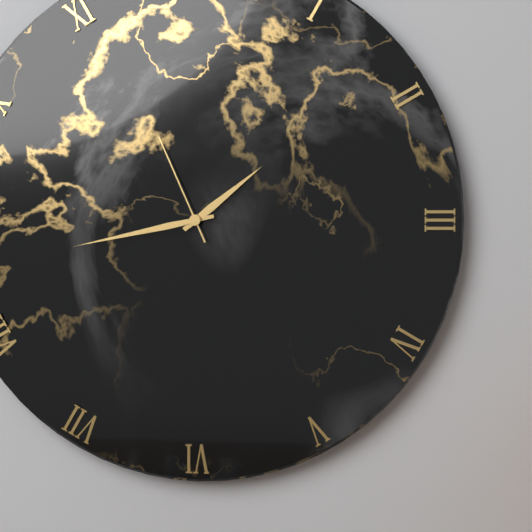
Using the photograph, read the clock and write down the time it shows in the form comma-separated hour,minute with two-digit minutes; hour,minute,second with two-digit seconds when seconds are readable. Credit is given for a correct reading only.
1,43,56
